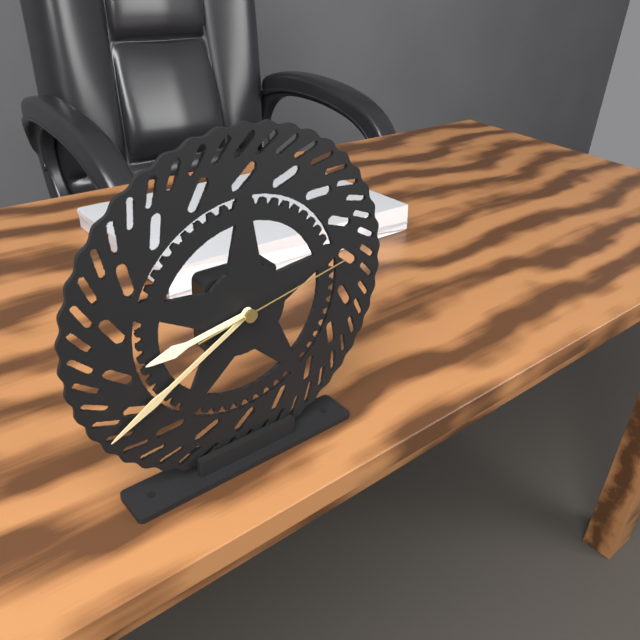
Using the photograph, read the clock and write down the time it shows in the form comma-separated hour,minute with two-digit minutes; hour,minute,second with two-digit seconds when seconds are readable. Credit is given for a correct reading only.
8,40,13
